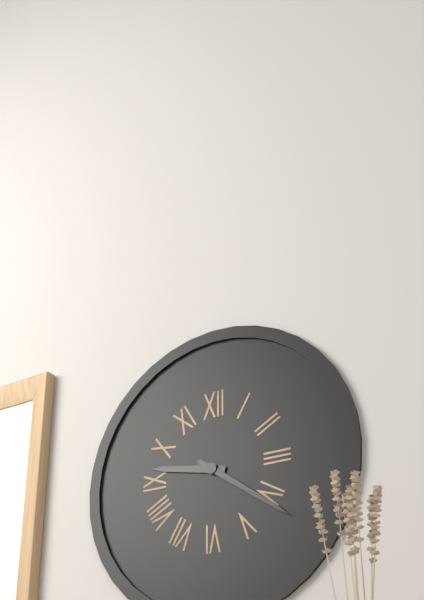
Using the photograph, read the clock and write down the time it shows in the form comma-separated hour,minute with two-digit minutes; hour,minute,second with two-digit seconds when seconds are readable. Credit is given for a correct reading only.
9,21
